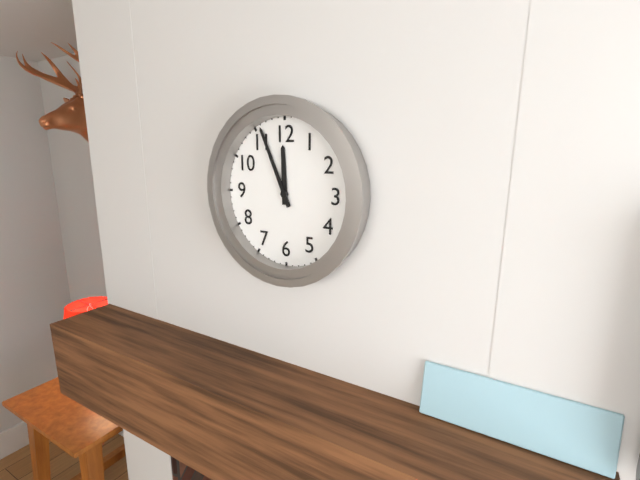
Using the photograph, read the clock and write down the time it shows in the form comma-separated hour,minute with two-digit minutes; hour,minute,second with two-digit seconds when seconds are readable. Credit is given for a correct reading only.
11,56
